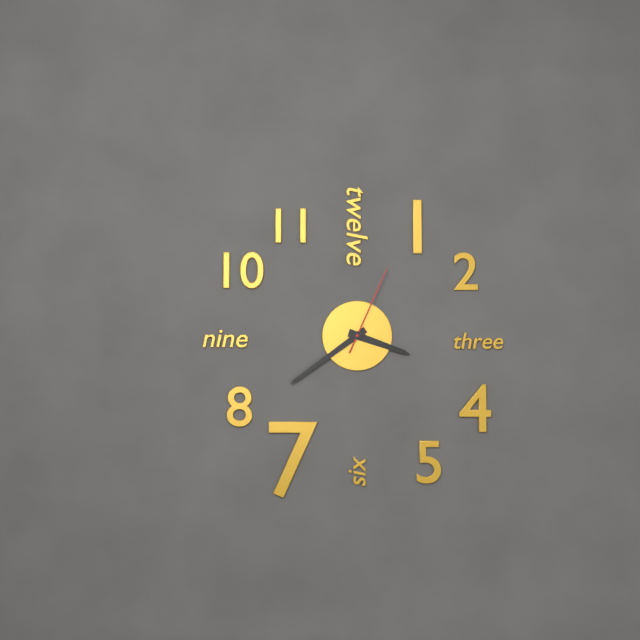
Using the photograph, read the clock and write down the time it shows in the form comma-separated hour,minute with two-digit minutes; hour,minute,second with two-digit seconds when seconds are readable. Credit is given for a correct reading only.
3,39,04
